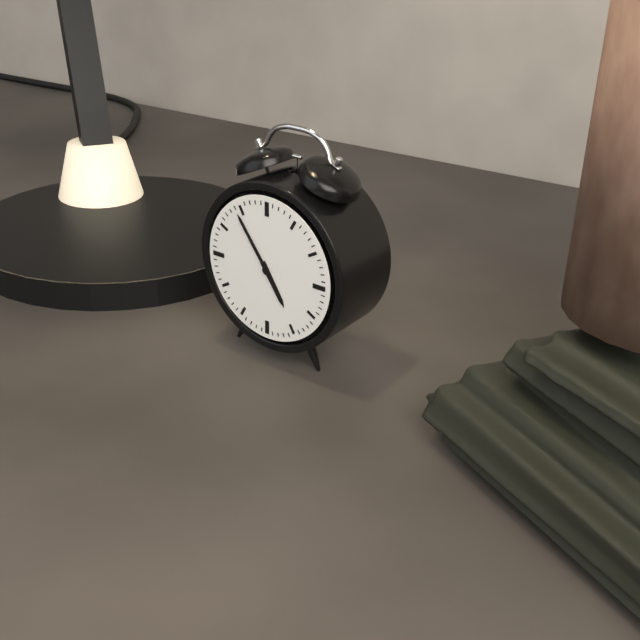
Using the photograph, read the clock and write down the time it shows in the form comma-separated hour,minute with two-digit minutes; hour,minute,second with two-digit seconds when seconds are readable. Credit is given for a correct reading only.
4,54
